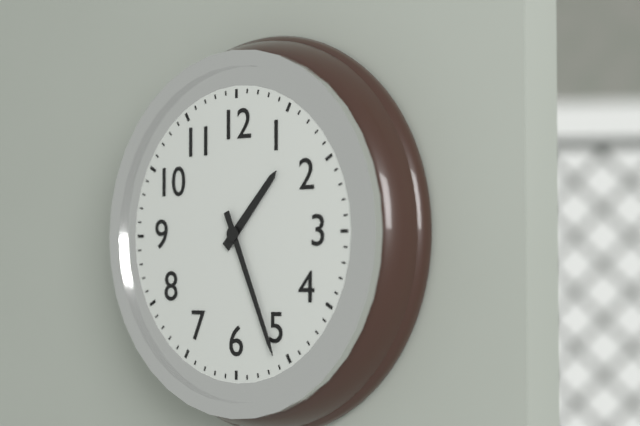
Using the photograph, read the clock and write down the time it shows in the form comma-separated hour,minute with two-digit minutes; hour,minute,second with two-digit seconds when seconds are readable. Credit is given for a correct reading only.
1,26
